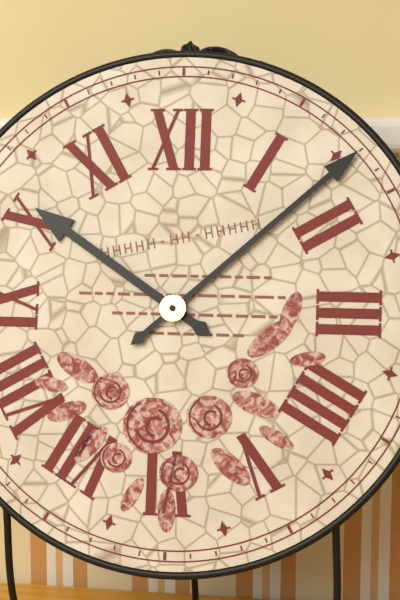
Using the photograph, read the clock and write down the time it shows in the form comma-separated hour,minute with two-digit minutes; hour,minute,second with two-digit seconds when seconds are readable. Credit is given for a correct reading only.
10,08
